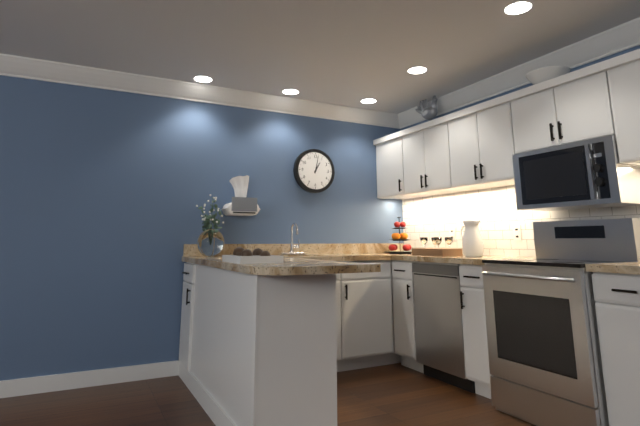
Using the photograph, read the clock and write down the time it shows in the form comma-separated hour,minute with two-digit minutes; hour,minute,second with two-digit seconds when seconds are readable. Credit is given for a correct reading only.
1,02
